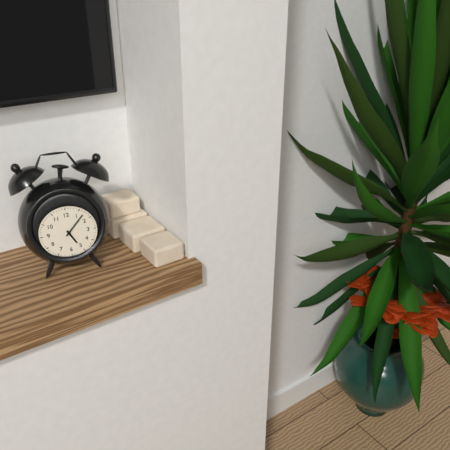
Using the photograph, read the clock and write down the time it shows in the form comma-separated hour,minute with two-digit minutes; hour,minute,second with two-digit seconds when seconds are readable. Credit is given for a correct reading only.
5,07
